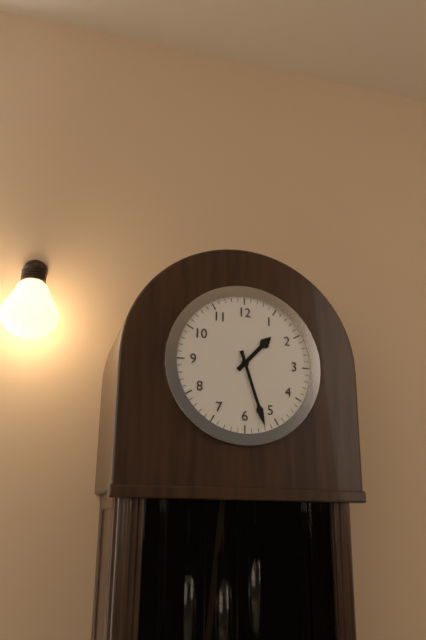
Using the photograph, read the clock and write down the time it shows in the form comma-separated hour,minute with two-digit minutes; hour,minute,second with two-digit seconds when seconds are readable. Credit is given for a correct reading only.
1,27
